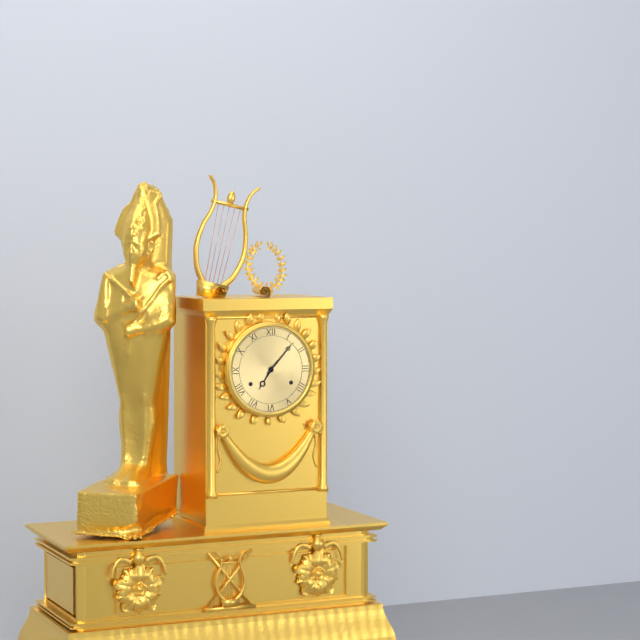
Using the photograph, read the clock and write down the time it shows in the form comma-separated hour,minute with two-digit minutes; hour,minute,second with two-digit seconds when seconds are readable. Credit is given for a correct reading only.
7,07
